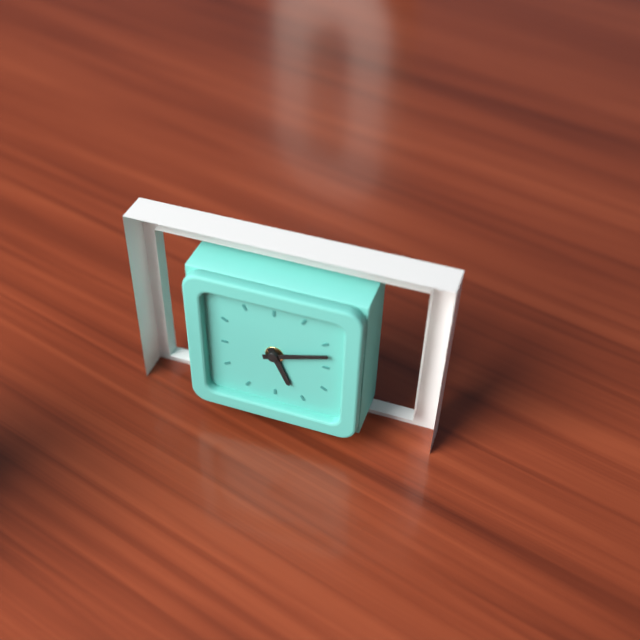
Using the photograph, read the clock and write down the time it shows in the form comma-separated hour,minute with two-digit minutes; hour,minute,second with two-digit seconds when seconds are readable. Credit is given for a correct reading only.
5,12
